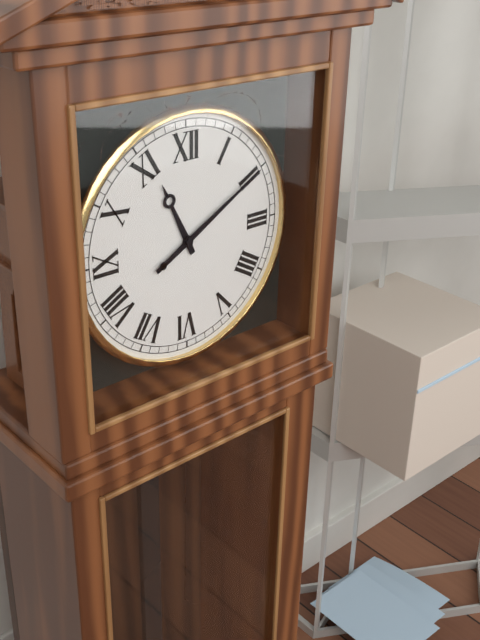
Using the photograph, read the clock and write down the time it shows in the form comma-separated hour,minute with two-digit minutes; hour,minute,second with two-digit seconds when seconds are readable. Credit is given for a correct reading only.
11,10
